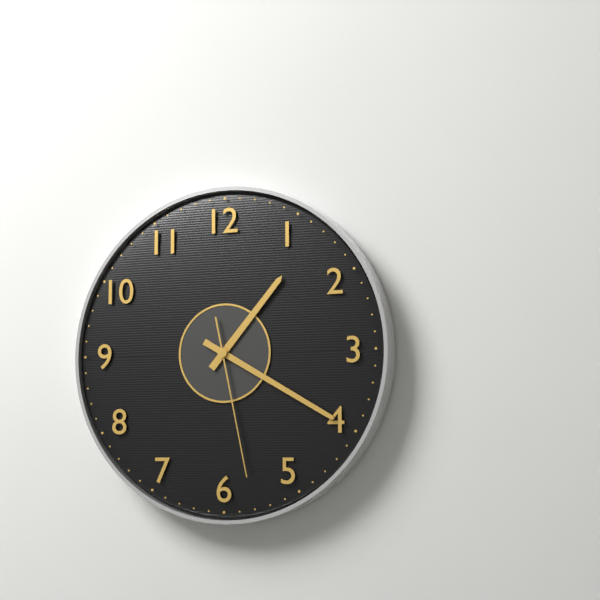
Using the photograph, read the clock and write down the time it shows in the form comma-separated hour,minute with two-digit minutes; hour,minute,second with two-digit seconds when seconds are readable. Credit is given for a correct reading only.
1,20,28
